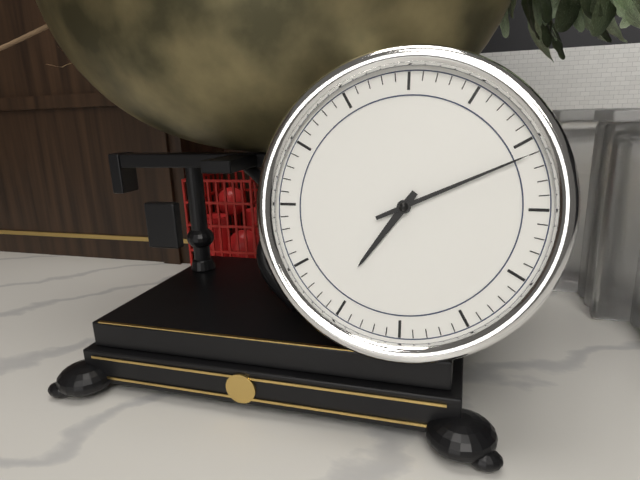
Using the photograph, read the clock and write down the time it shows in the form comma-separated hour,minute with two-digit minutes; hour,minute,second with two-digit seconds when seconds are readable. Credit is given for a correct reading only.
7,11
